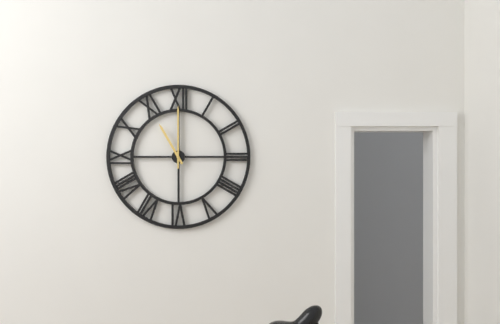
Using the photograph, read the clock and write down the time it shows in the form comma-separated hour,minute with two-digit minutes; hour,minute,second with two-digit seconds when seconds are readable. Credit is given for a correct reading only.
11,00
